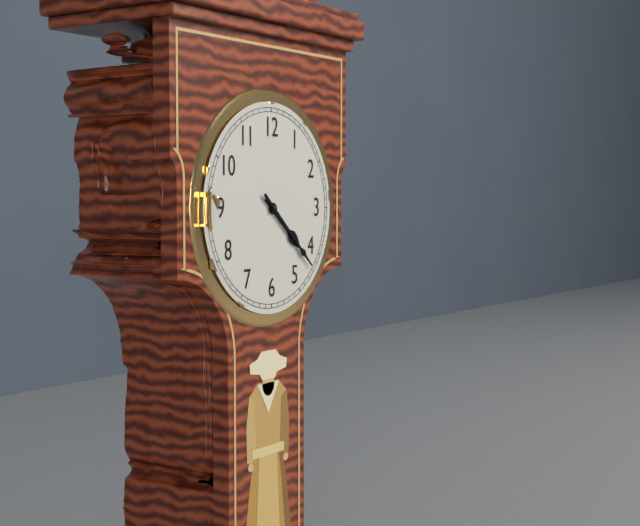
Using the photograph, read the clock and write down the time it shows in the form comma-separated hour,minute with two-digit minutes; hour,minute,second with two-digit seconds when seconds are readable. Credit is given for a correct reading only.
4,22
